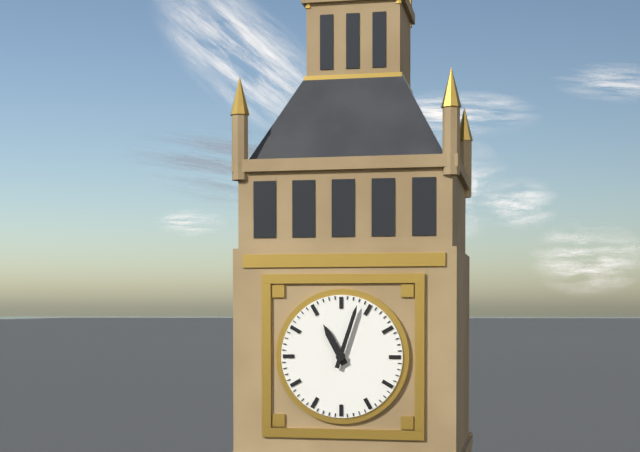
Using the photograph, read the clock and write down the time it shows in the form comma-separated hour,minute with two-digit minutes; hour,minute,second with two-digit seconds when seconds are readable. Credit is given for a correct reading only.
11,03
